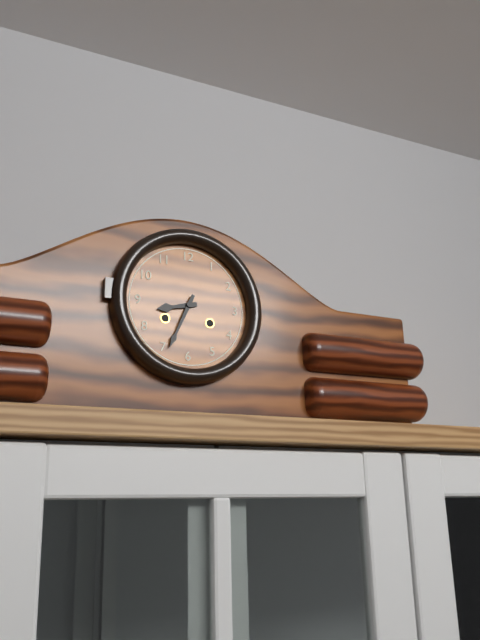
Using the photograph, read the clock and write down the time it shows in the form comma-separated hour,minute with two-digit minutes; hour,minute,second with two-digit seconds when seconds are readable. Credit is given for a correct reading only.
8,34
